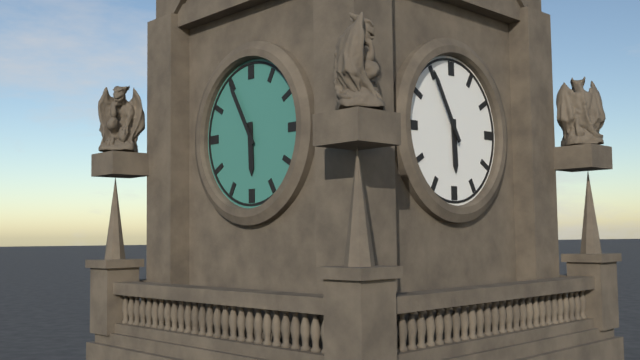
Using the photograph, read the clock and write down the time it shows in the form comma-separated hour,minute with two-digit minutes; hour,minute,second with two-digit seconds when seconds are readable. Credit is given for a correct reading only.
5,55
